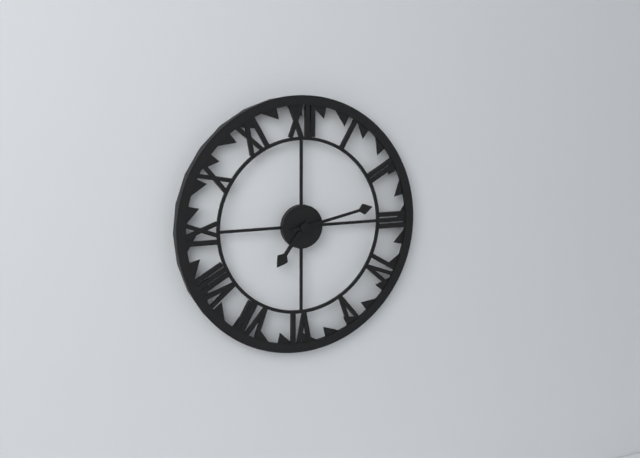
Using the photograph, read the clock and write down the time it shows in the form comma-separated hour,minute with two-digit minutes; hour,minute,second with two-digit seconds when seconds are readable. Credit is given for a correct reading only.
7,13
